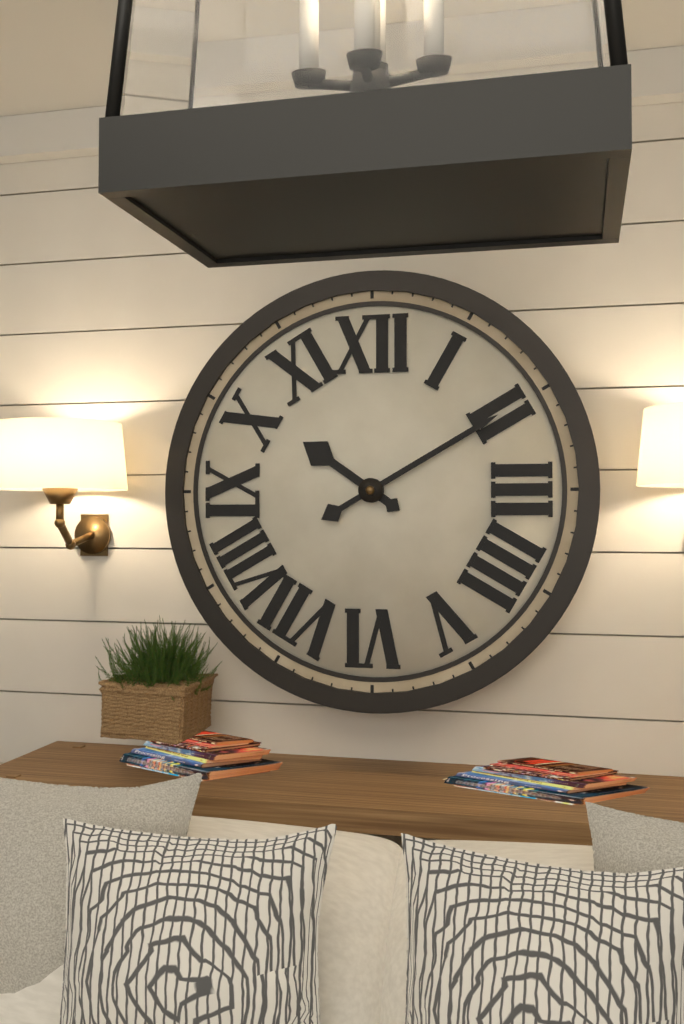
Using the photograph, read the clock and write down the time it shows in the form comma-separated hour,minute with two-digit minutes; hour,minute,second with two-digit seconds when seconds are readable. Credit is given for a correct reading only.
10,10
